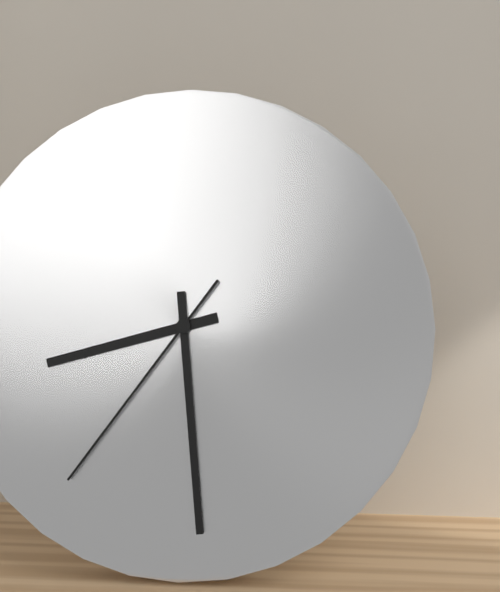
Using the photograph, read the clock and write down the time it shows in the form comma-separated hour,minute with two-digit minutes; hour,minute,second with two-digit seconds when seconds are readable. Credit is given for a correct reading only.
8,29,36
